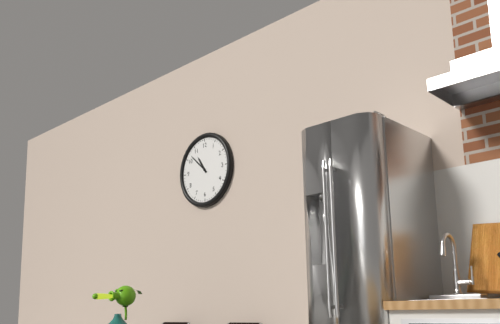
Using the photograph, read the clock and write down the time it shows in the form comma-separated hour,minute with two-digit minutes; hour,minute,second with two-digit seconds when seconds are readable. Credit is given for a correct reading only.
10,52
